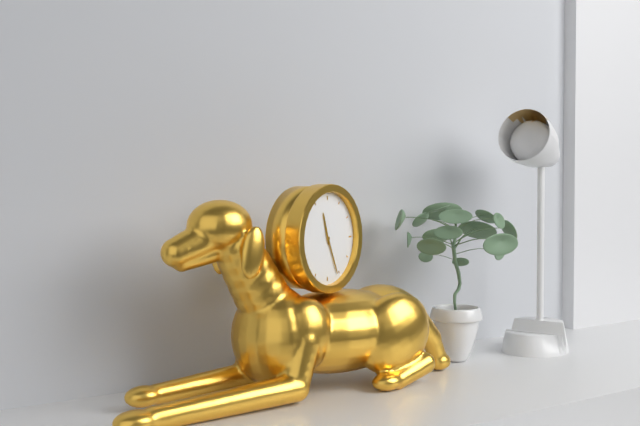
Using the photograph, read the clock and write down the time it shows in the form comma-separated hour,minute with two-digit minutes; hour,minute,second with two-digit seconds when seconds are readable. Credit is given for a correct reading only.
11,26
